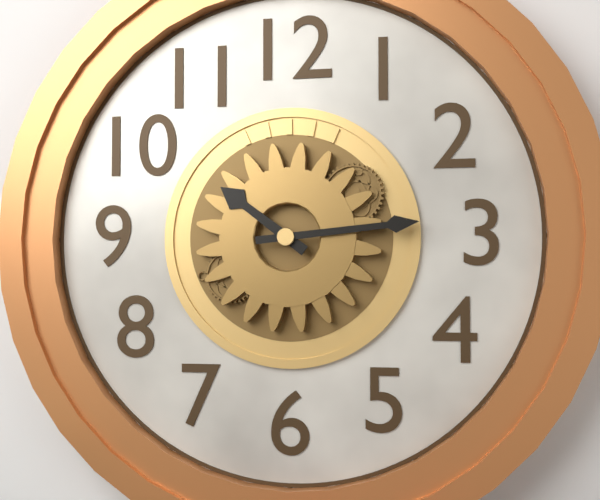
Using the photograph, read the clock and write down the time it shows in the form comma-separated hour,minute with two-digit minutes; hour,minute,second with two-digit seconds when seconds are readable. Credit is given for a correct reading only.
10,14
